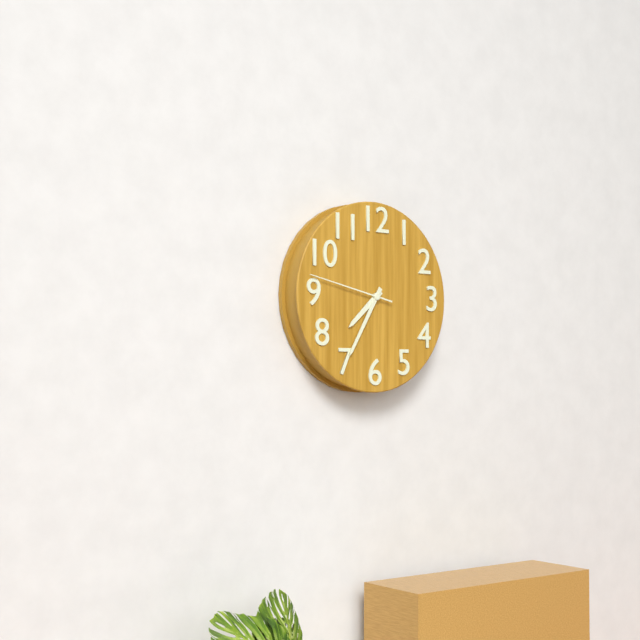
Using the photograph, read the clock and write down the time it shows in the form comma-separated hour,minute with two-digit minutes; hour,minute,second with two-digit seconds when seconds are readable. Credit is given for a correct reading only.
7,35,47
